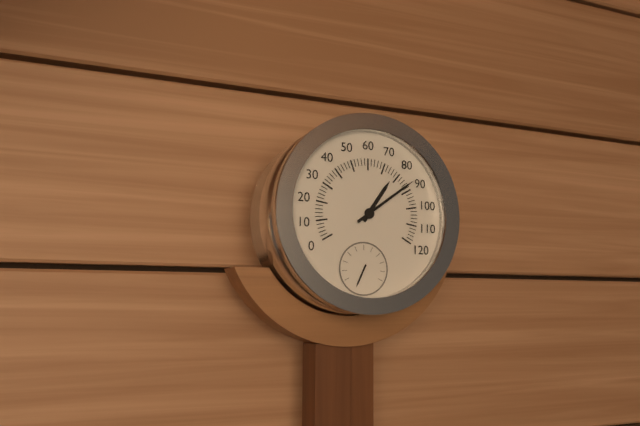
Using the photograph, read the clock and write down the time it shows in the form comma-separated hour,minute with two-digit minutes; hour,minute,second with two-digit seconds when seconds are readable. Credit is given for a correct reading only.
1,09
